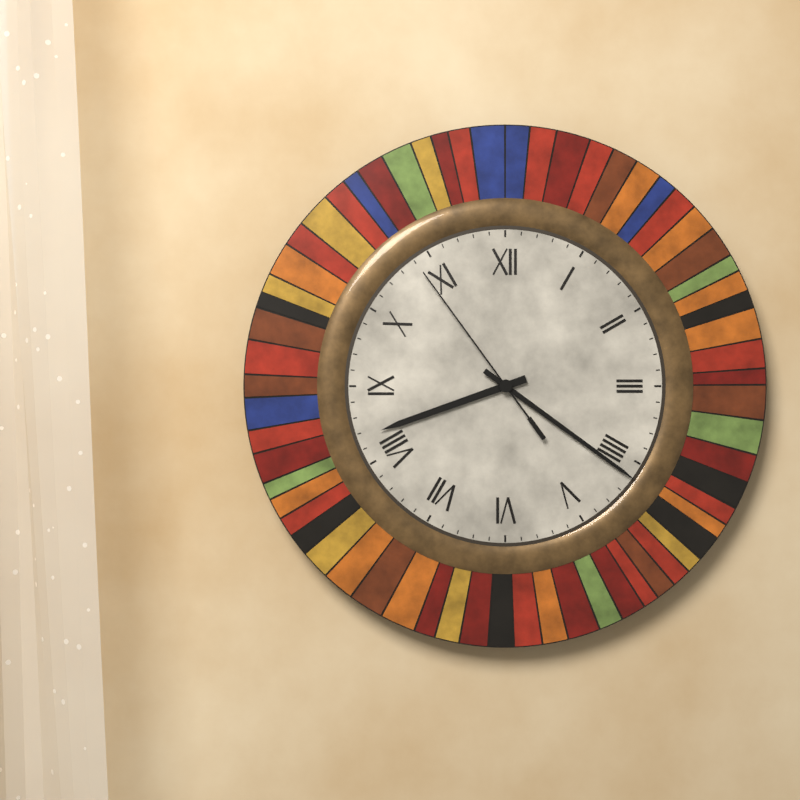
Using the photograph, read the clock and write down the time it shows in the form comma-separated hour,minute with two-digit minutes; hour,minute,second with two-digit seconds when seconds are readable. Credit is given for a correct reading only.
8,21,54
